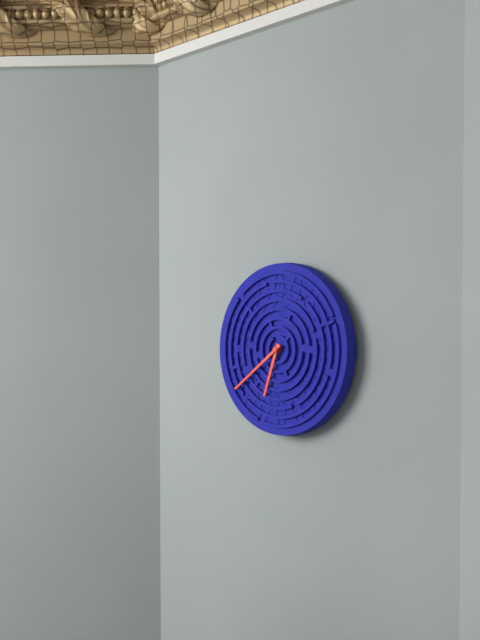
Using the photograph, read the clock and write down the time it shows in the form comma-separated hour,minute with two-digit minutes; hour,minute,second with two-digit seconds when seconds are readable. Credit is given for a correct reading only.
6,39
